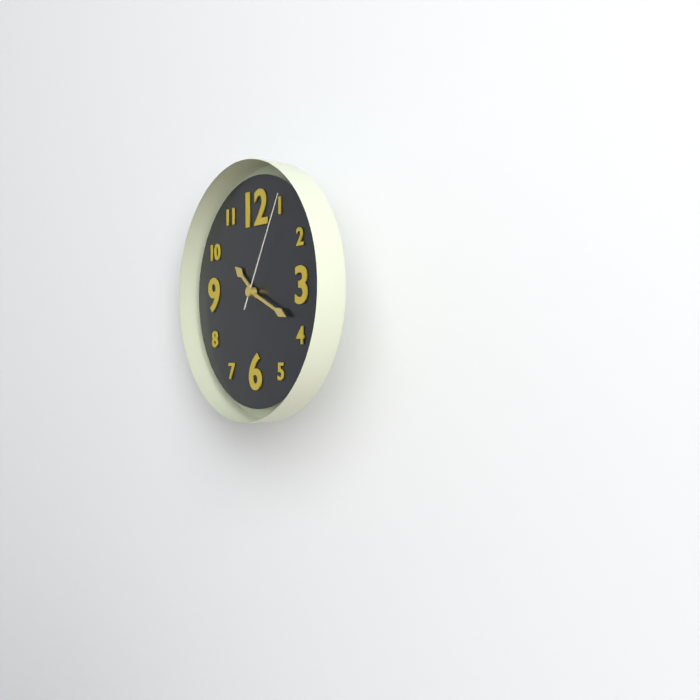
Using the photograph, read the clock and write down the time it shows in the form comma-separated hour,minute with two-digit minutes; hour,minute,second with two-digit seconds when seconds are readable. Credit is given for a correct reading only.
10,19,05
